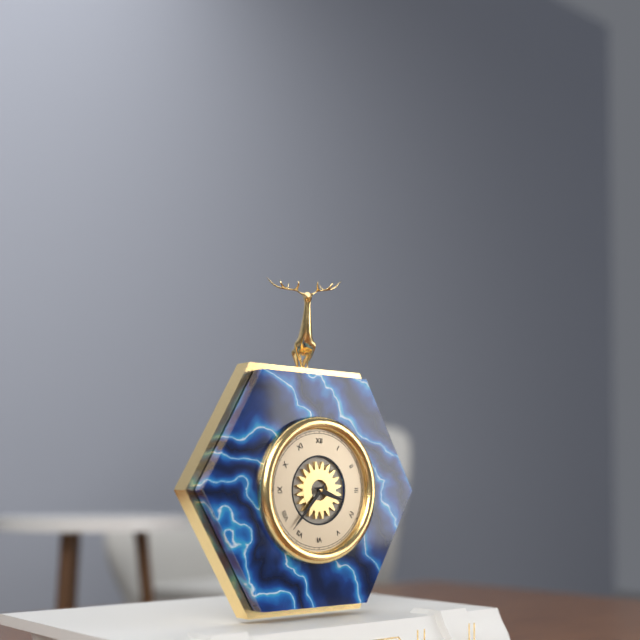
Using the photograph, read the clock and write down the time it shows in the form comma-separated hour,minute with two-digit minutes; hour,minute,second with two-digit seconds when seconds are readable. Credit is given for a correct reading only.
3,37
